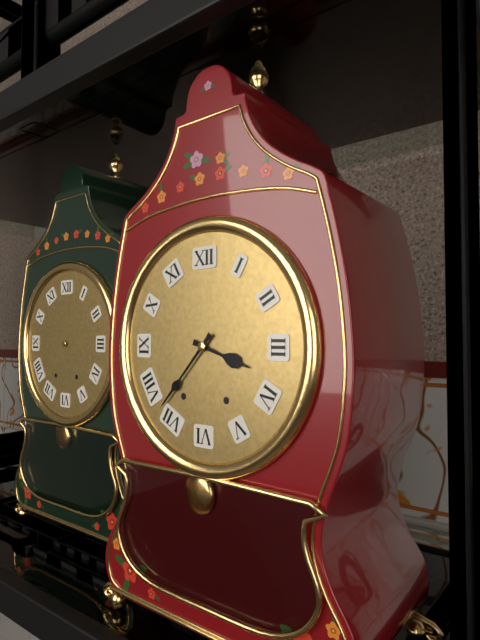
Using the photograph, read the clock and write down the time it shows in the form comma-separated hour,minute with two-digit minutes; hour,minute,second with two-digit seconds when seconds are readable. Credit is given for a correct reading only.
3,37
